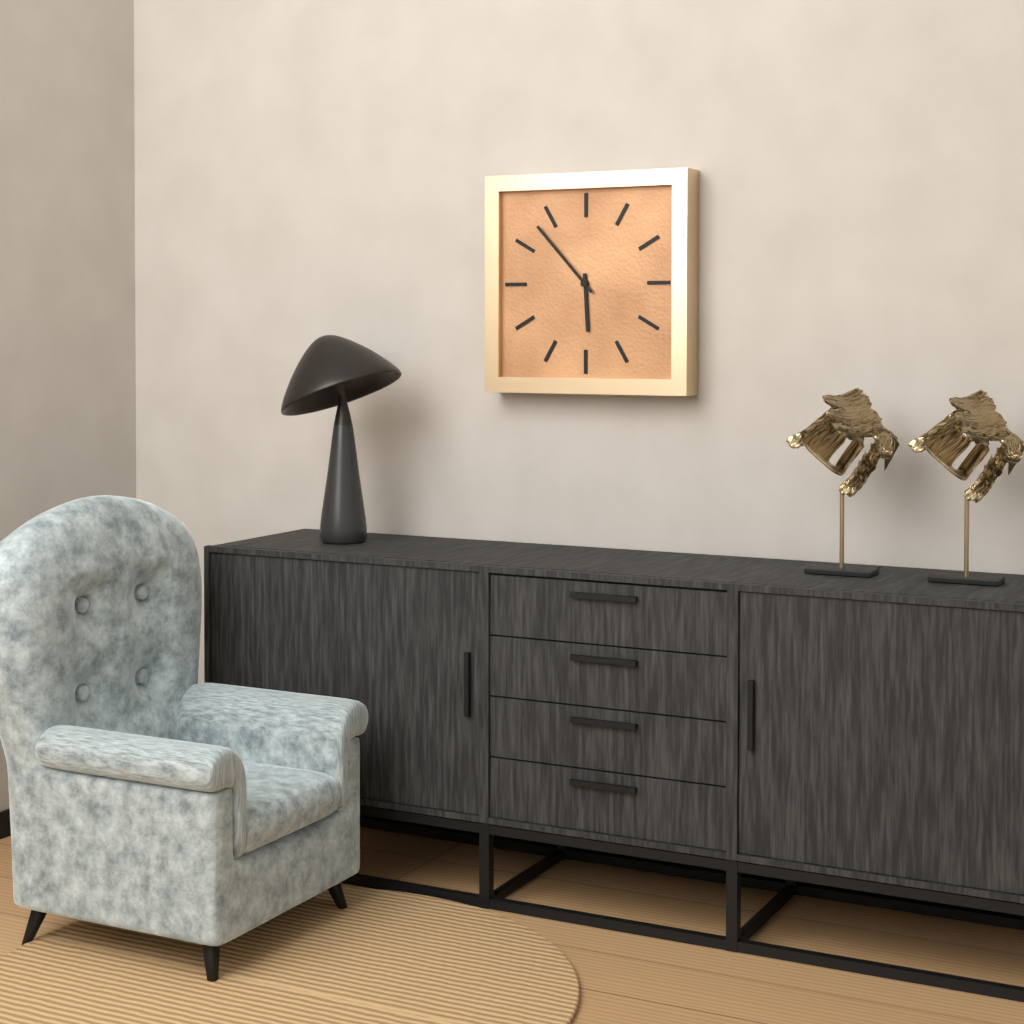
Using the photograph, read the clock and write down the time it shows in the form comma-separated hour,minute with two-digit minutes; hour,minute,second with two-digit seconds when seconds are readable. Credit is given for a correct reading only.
5,53
